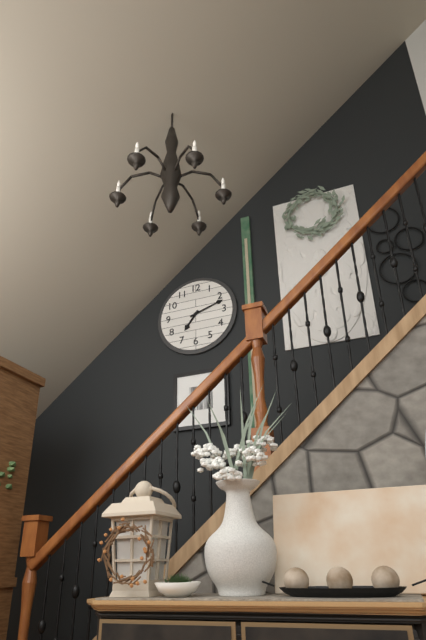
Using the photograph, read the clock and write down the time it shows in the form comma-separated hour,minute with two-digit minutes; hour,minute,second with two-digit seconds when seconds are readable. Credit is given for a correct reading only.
7,12
